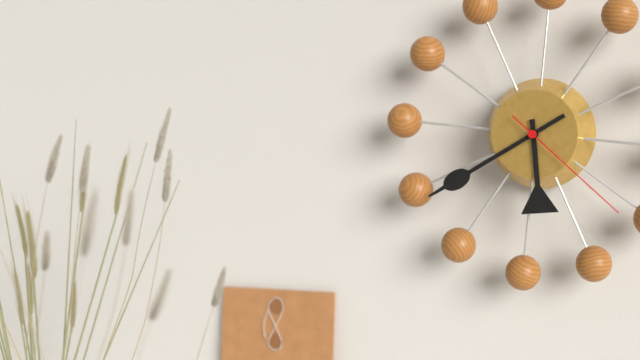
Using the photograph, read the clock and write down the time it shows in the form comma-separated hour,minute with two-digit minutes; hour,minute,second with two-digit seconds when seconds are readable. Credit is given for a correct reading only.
5,39,21
